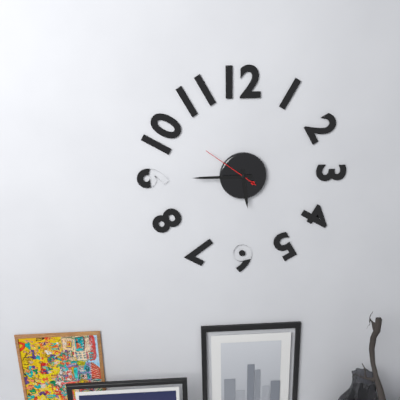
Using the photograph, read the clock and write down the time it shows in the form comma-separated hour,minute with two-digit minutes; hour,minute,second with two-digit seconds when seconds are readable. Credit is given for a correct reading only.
5,45,51
